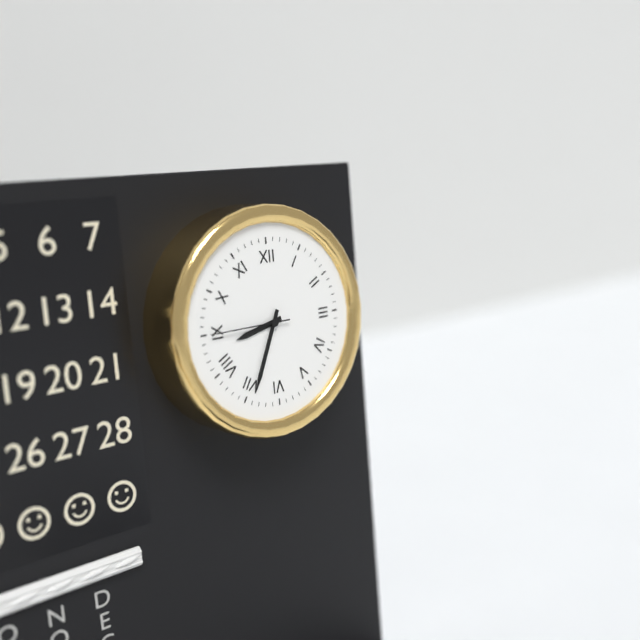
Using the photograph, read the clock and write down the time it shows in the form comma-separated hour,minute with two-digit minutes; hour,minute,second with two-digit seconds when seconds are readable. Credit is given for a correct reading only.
8,34,45
